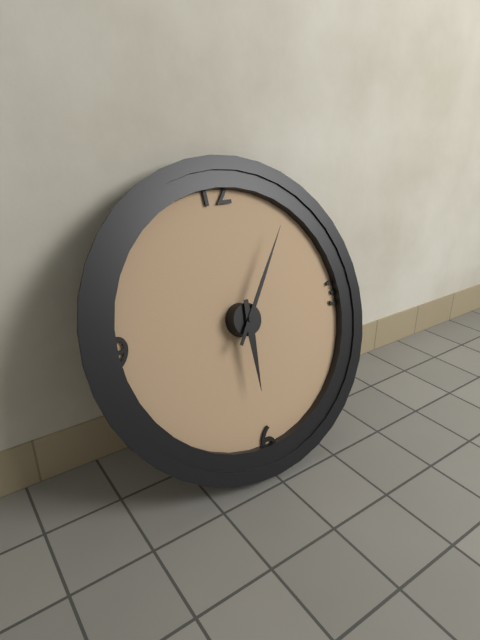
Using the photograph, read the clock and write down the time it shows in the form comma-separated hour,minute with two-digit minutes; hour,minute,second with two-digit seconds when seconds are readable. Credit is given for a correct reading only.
6,06
